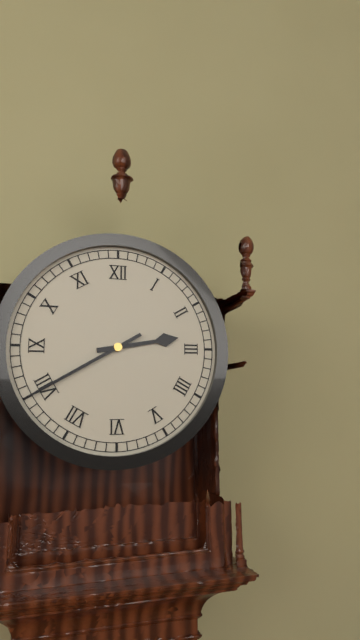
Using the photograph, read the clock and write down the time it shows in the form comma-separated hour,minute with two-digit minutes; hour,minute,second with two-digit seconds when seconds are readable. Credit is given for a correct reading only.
2,40
